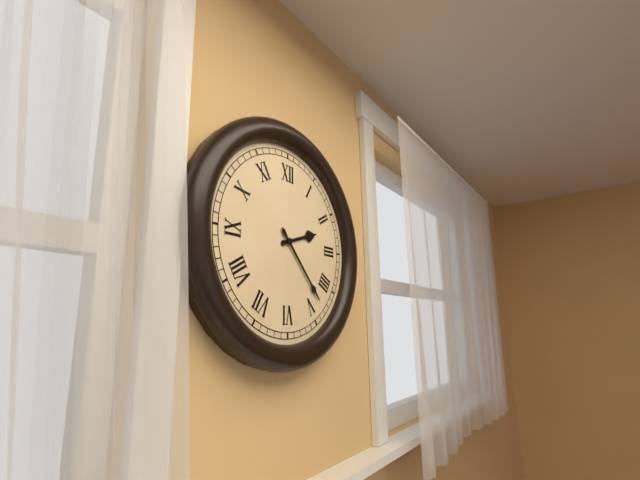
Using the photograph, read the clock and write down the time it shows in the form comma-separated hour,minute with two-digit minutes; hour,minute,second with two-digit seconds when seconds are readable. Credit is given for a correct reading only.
2,23
